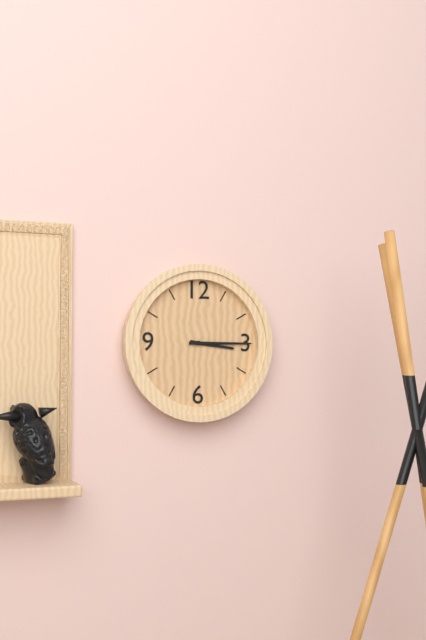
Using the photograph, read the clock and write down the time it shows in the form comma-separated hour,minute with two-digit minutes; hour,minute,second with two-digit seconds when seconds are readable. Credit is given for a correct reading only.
3,15
